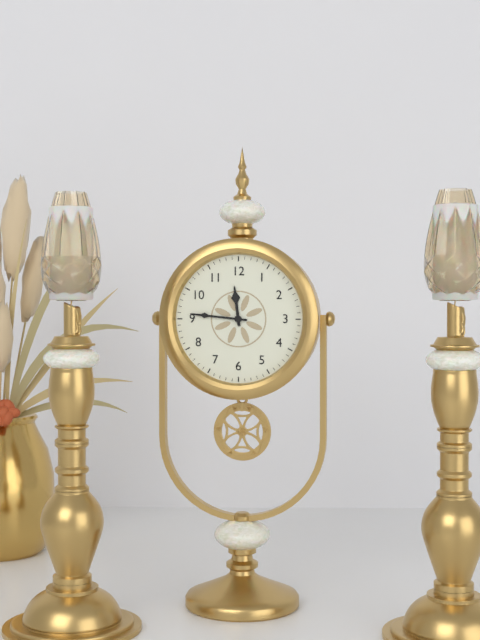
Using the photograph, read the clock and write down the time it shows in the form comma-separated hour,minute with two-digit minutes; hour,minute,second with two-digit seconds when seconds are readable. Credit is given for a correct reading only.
11,46
